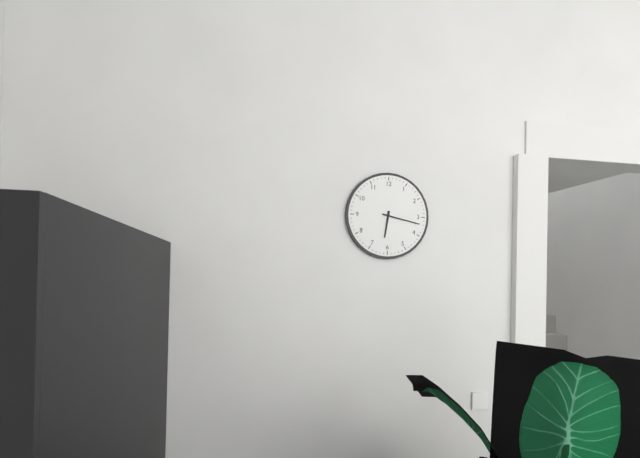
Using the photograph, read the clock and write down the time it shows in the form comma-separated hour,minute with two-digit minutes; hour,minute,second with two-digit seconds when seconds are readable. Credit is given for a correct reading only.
6,17
